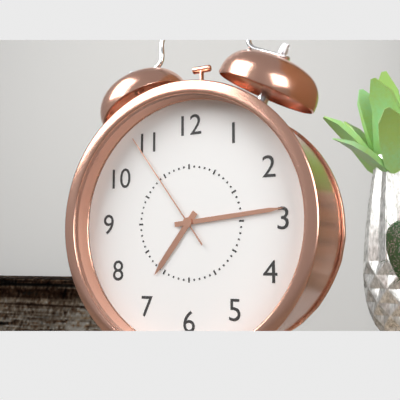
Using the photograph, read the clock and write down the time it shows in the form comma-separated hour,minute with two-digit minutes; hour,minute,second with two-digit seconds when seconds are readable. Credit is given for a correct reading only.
7,14,54
